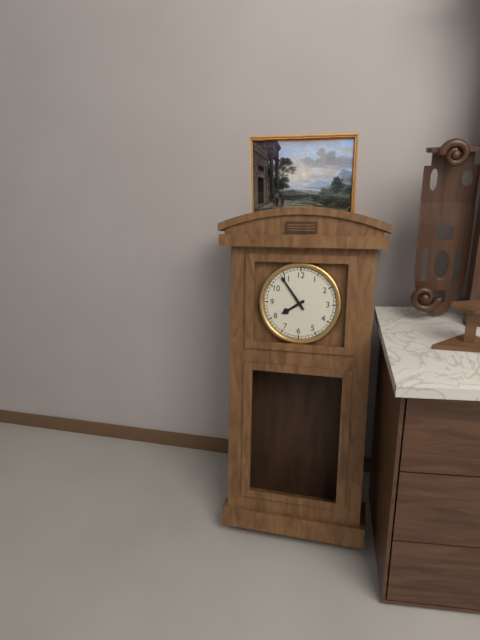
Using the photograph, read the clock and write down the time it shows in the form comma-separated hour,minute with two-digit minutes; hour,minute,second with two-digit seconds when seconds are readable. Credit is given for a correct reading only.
7,54
